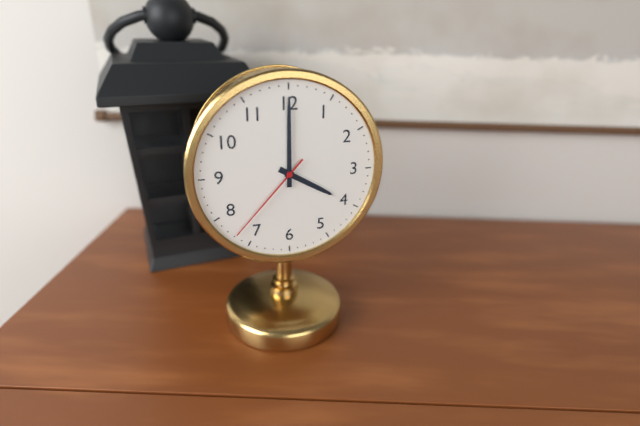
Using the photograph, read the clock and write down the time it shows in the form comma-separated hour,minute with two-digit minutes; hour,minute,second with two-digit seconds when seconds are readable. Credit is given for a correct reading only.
4,00,37
